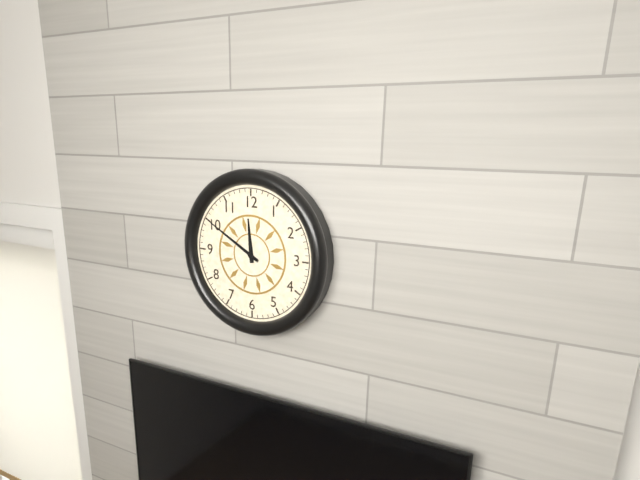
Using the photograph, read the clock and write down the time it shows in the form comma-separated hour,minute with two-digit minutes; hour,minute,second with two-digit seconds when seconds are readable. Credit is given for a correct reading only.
11,50
